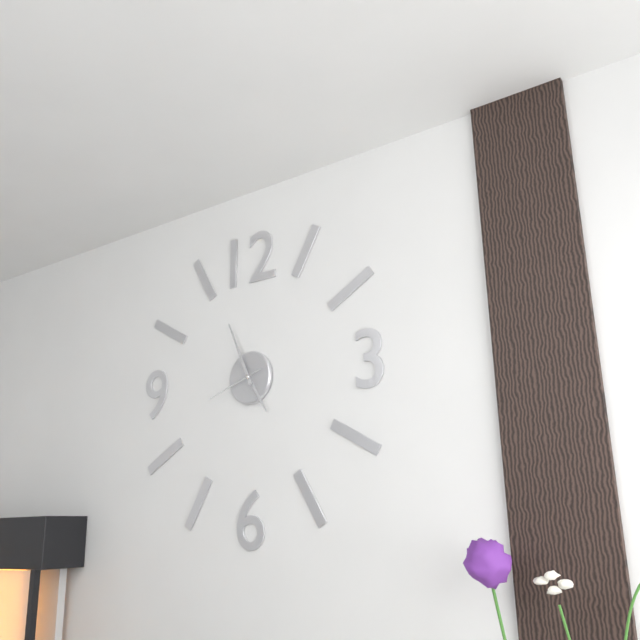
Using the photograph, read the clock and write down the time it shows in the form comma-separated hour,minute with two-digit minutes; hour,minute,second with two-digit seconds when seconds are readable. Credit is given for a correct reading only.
4,56,42
